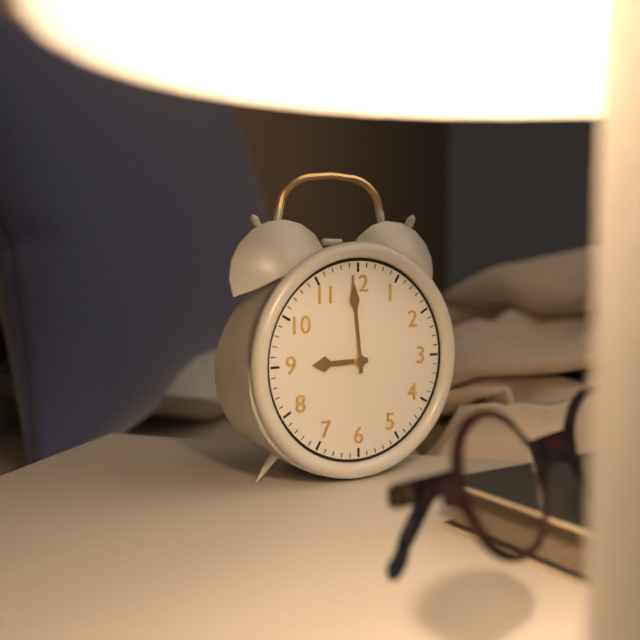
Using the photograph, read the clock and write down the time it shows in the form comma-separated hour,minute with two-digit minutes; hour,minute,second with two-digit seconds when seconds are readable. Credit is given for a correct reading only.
8,59
